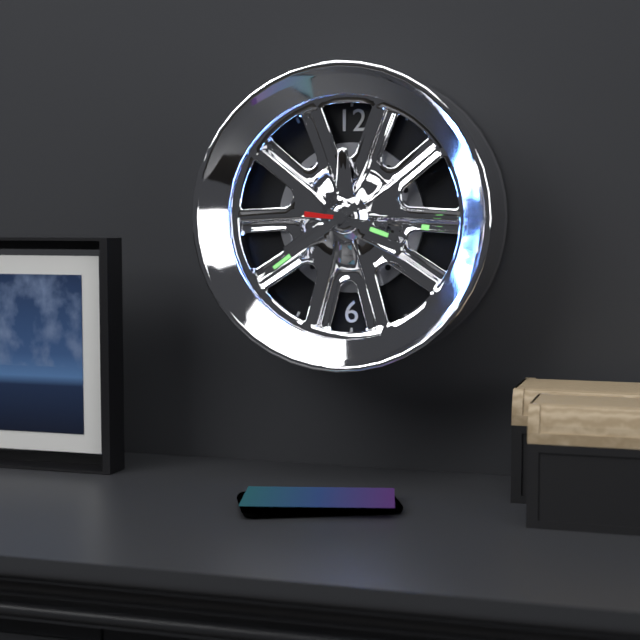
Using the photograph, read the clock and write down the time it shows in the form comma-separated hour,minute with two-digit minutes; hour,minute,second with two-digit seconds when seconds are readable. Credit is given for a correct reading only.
3,39,16
